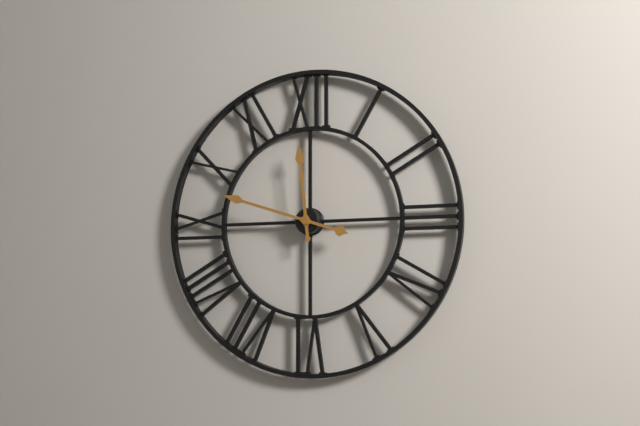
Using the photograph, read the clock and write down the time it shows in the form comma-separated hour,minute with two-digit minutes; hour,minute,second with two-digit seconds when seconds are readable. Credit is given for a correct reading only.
11,48
